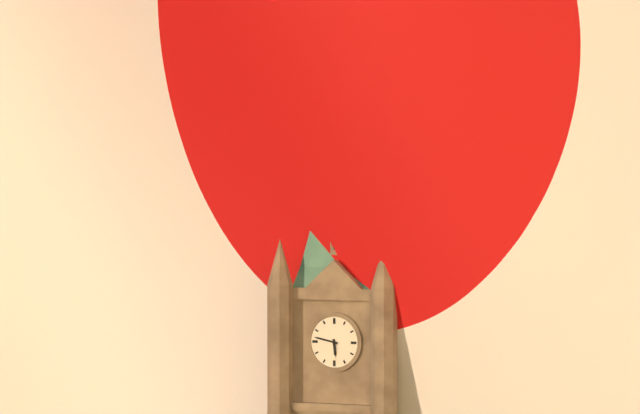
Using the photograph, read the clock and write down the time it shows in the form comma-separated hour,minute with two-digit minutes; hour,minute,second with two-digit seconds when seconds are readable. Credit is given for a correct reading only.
5,47
